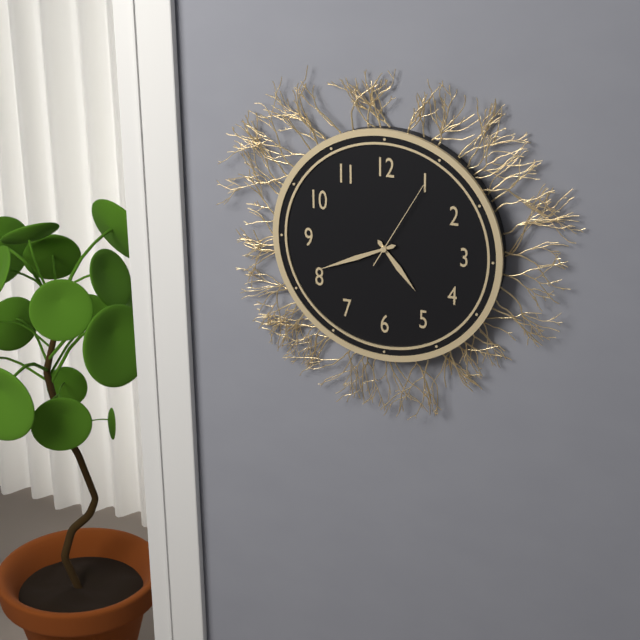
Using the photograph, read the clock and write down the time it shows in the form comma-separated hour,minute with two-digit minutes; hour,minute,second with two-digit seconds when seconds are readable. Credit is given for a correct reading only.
4,41,05
